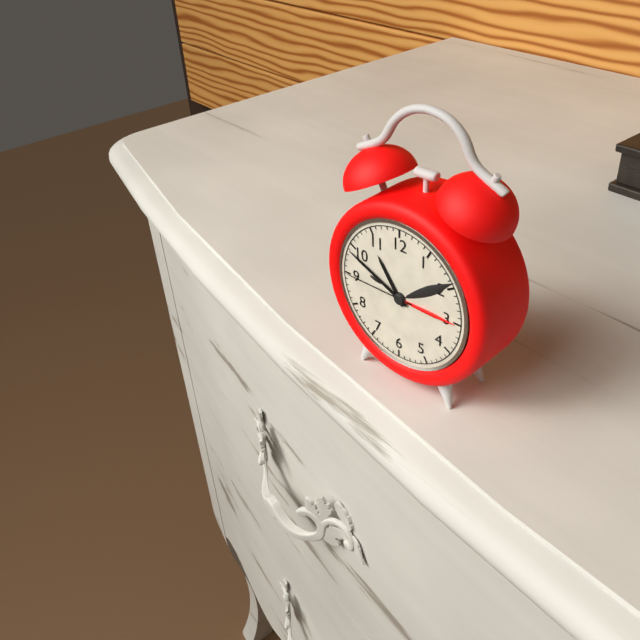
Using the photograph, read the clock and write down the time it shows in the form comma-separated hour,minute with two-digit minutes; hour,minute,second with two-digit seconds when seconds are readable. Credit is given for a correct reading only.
10,49,45
